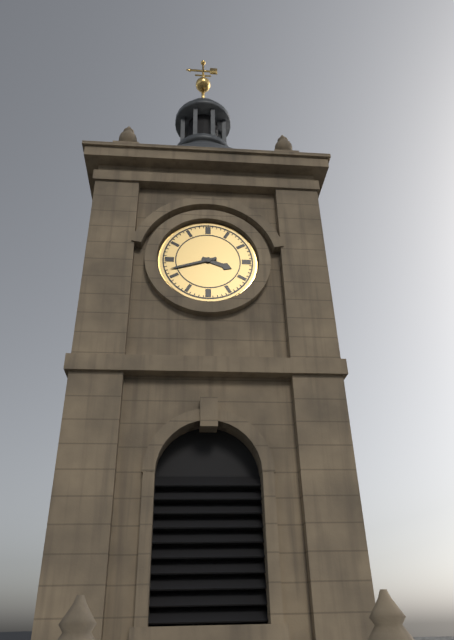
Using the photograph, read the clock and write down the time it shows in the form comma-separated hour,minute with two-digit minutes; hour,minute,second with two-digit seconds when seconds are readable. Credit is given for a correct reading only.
3,42
